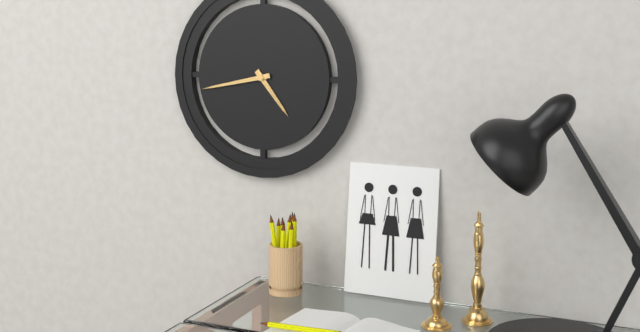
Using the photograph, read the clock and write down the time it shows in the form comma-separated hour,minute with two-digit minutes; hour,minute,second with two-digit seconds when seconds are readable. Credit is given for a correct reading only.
4,43
